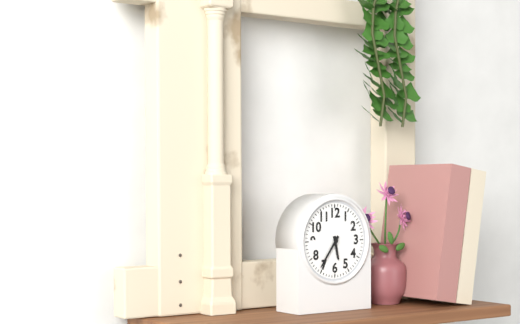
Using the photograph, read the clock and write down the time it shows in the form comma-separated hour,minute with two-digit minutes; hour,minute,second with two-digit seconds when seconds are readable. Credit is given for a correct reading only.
5,36
